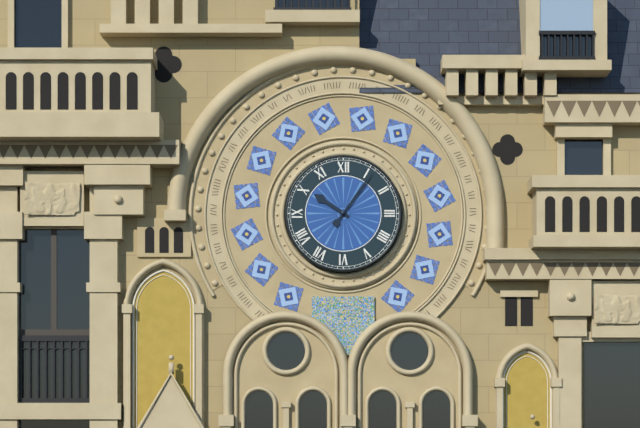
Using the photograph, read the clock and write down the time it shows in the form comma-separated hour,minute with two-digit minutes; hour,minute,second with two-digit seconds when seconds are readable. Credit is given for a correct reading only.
10,06
